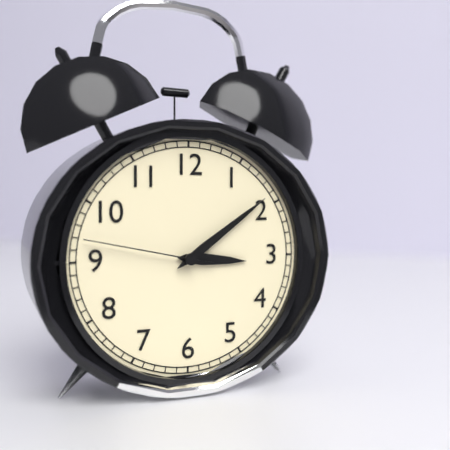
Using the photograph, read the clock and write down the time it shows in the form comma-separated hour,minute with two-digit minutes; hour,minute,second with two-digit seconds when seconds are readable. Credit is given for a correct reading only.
3,09,47
